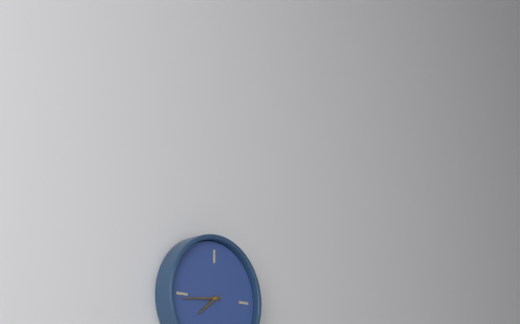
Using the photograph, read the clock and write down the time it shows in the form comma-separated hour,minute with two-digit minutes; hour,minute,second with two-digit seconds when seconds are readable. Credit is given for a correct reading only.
7,44
